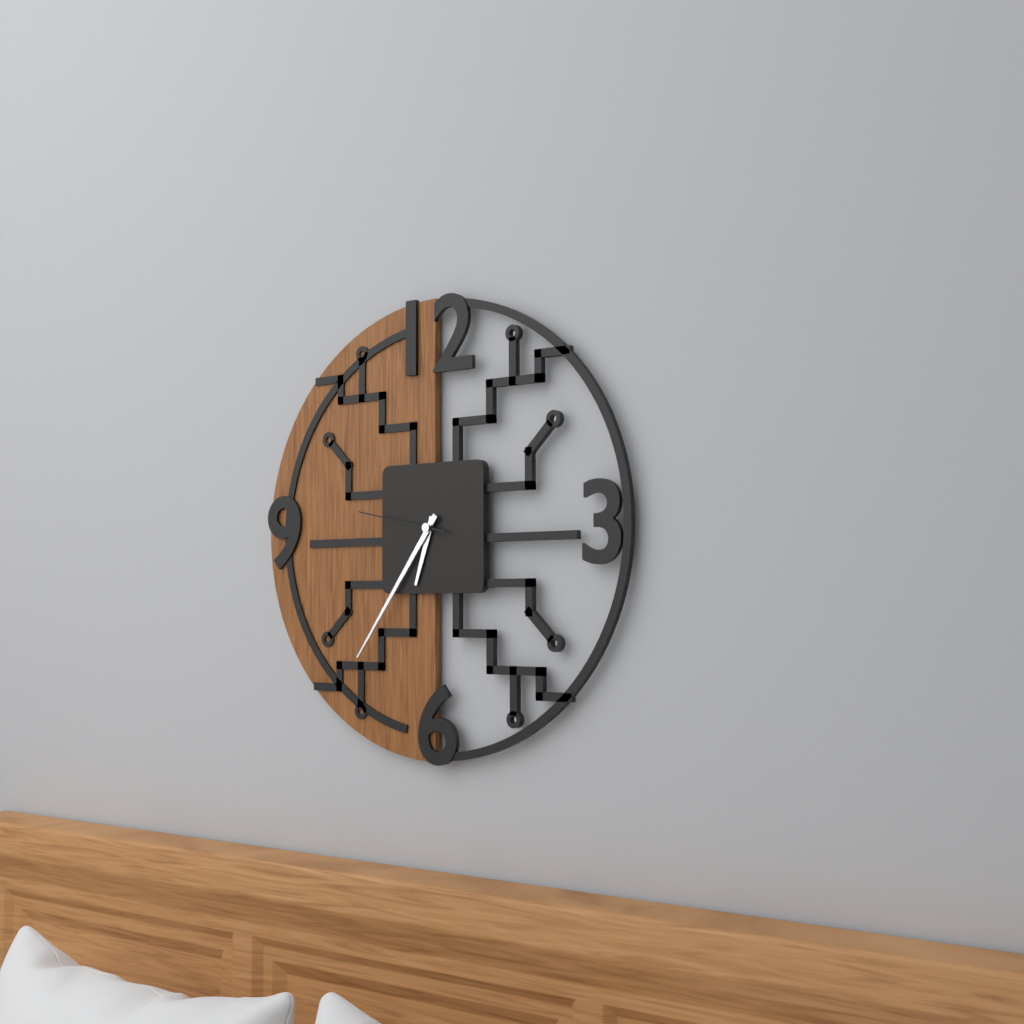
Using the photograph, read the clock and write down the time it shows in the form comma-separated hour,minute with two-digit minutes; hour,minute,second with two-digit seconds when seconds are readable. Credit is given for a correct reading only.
6,36,47
